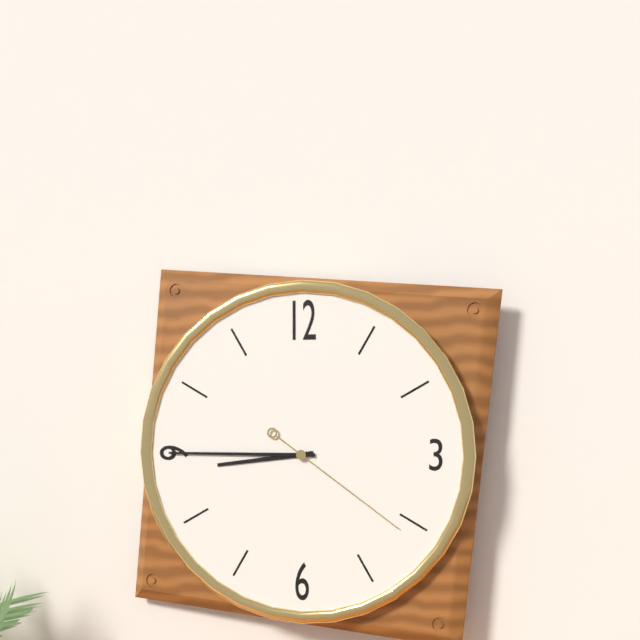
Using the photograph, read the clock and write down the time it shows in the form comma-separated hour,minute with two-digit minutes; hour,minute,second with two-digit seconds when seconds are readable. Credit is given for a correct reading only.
8,45,21
